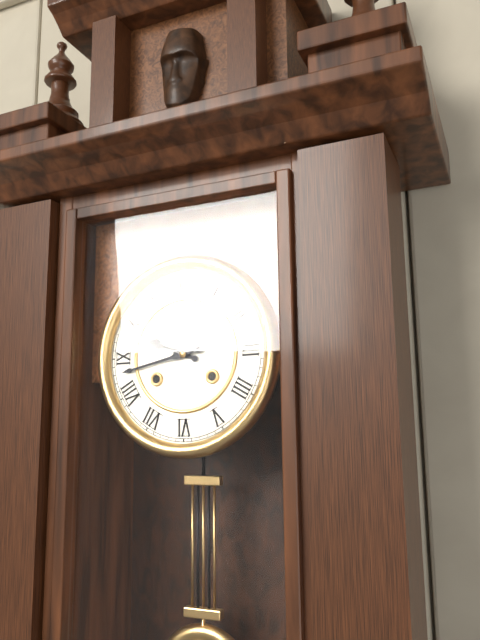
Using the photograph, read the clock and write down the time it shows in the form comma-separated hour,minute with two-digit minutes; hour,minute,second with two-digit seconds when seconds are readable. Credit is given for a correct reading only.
9,43
